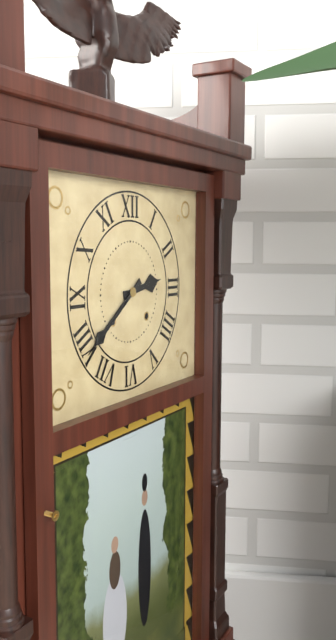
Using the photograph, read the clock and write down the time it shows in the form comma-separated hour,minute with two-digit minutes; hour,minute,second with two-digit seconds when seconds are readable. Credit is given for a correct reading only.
2,39
